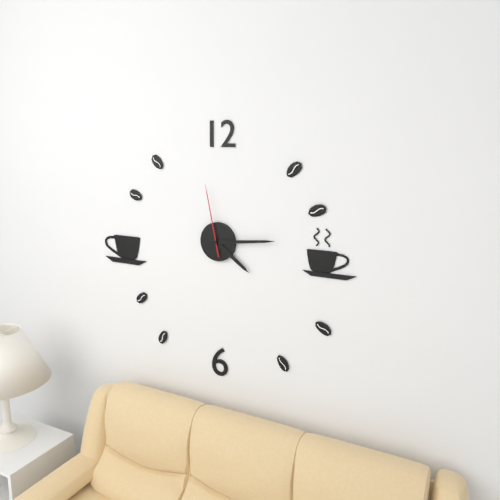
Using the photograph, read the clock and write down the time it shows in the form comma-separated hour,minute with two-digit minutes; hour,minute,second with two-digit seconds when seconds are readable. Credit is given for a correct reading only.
4,14,58
